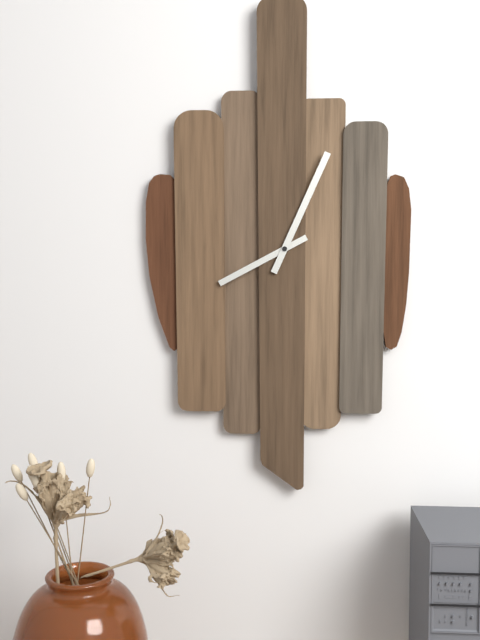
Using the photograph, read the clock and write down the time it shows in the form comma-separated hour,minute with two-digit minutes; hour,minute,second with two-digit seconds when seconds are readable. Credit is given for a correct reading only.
8,04
